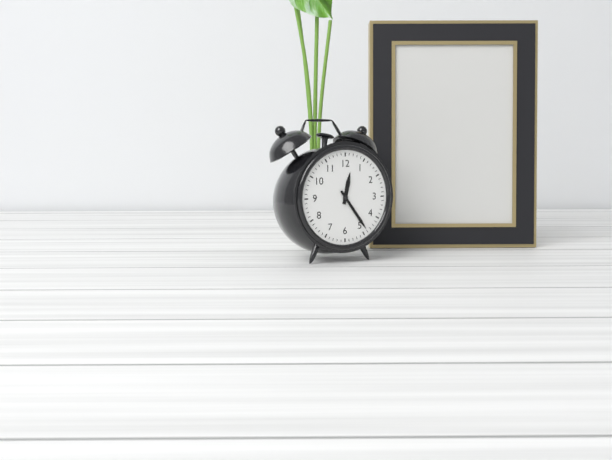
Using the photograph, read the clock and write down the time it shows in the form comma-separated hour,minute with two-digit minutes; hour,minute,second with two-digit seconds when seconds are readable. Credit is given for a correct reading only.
12,24
